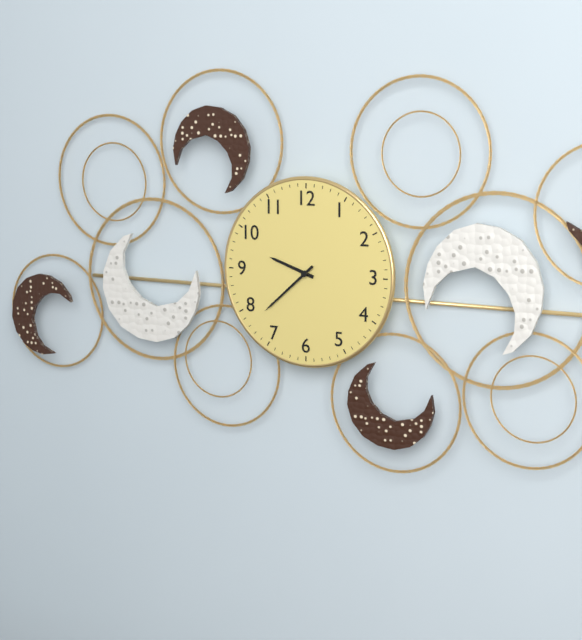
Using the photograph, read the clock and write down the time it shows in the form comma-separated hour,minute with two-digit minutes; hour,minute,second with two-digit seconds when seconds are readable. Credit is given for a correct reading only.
9,38
